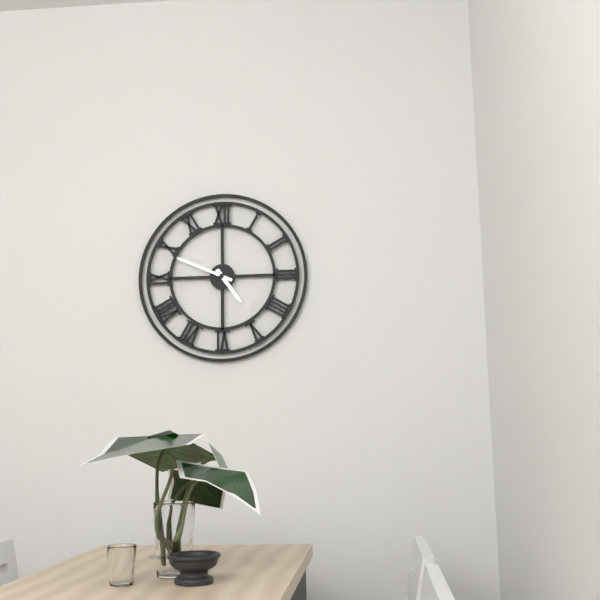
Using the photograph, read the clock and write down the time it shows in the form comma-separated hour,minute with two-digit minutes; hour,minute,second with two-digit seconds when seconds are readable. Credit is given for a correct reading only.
4,49
